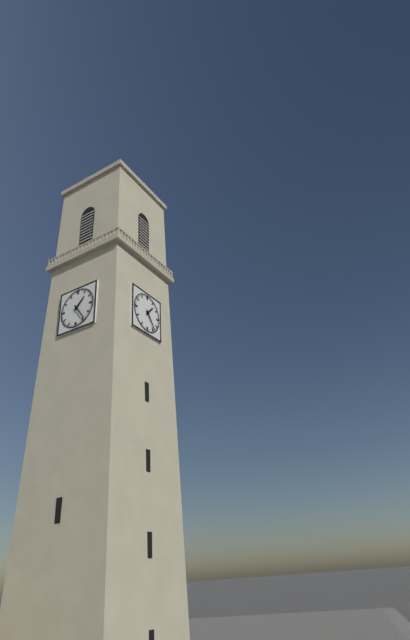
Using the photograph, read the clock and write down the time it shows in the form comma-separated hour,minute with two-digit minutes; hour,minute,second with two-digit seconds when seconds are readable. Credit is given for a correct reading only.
1,24
